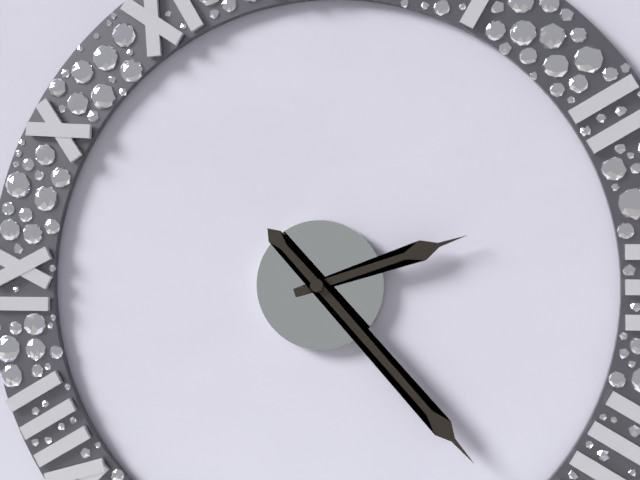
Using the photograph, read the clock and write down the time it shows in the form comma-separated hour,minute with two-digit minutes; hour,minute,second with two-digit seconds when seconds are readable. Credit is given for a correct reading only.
2,23
